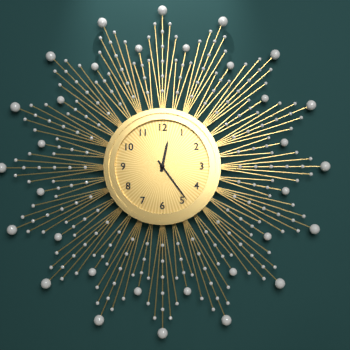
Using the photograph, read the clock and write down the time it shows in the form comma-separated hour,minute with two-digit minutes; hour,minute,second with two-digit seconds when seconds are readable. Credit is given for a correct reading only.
12,24
